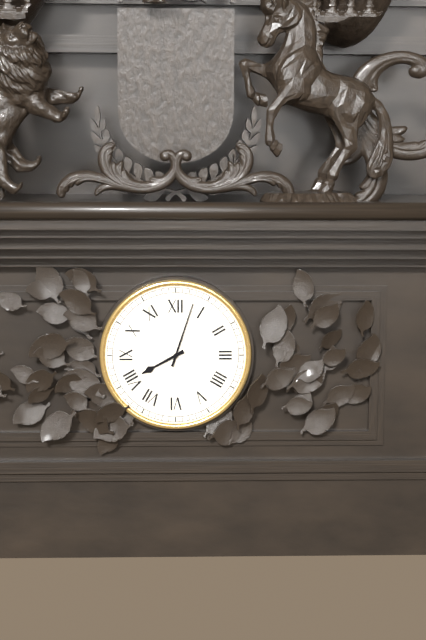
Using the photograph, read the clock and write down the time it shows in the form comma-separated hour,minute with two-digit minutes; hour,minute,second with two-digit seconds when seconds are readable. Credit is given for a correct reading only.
8,03
